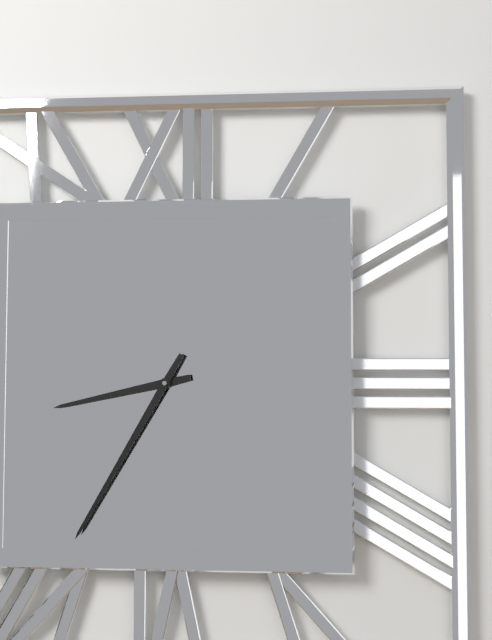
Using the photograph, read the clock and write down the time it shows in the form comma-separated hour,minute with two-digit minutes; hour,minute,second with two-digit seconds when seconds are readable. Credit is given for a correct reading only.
8,35
